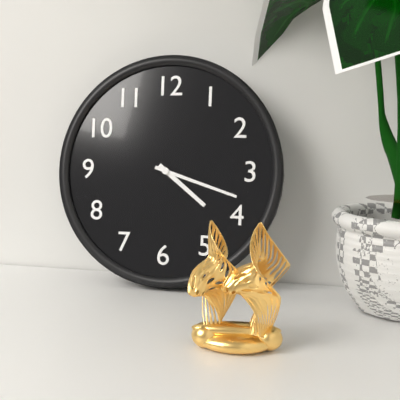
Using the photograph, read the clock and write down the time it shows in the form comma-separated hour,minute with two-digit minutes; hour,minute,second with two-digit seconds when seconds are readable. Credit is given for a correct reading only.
4,18
